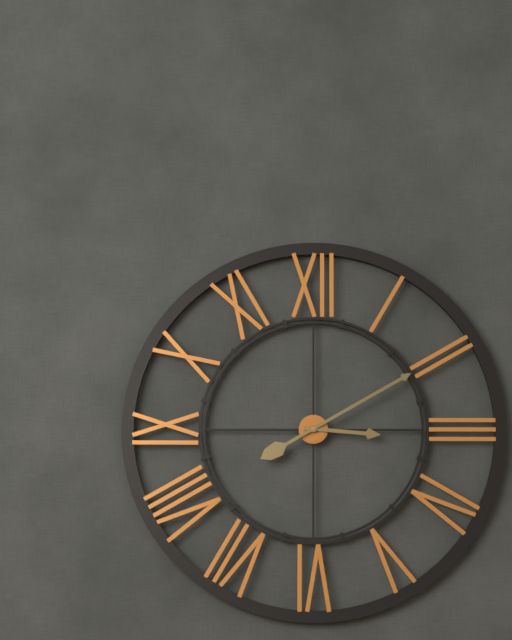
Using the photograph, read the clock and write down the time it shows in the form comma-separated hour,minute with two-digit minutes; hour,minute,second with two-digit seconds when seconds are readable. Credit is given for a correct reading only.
3,10
